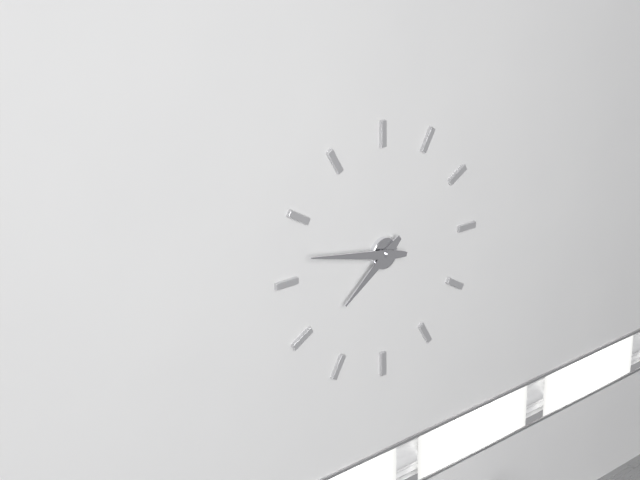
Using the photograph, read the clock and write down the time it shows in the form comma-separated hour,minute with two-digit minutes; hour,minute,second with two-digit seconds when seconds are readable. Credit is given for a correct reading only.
7,47
